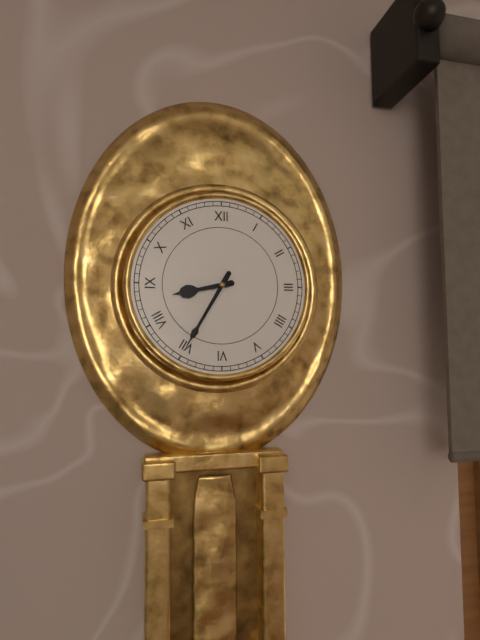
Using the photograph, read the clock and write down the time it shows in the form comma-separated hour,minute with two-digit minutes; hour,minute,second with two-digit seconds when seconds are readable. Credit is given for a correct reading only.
8,35
